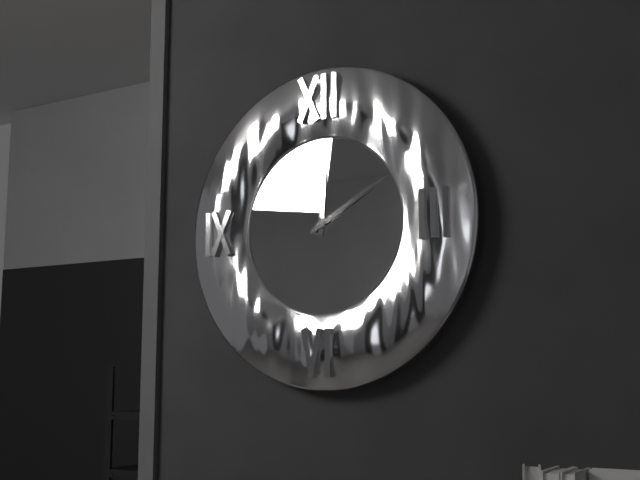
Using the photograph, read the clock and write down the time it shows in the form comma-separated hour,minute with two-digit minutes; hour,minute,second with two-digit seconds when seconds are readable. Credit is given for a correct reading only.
12,10
